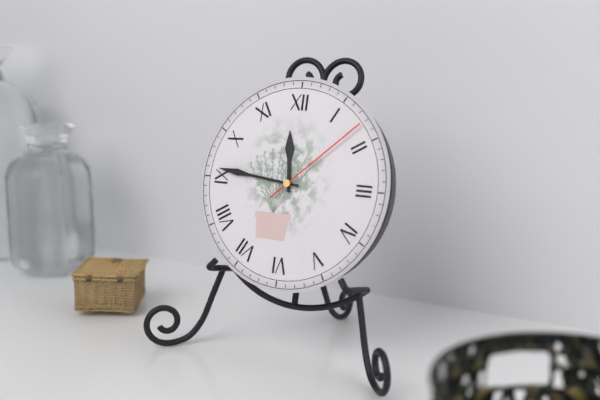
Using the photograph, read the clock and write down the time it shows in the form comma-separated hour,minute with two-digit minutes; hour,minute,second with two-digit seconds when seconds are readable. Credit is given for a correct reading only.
11,46,08
